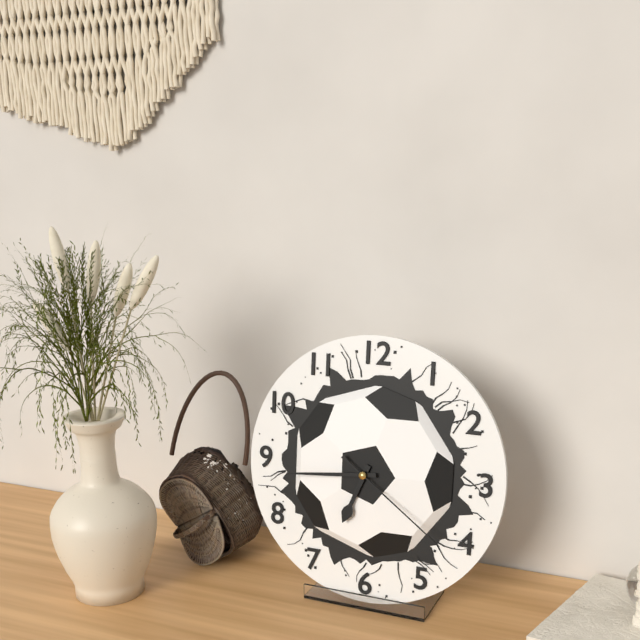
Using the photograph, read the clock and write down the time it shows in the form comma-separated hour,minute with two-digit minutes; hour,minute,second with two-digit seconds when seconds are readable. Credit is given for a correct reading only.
6,44,21
